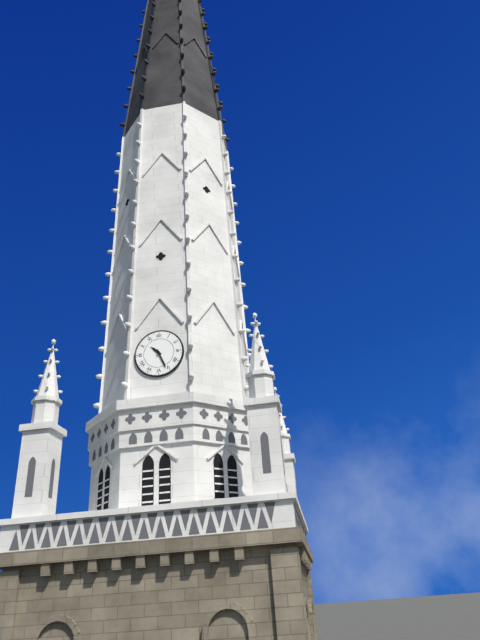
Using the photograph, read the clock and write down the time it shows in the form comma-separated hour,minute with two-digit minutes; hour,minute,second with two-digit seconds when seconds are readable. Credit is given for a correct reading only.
10,26
